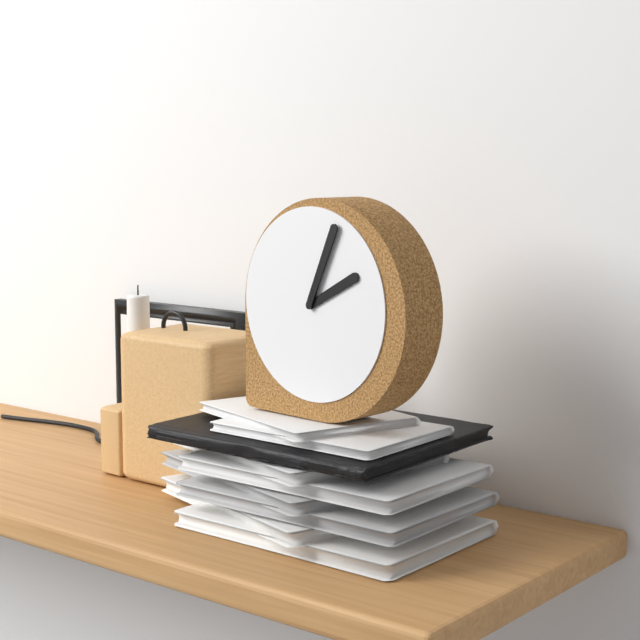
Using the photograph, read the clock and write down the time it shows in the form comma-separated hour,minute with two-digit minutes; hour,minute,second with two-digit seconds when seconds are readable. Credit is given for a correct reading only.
2,04
